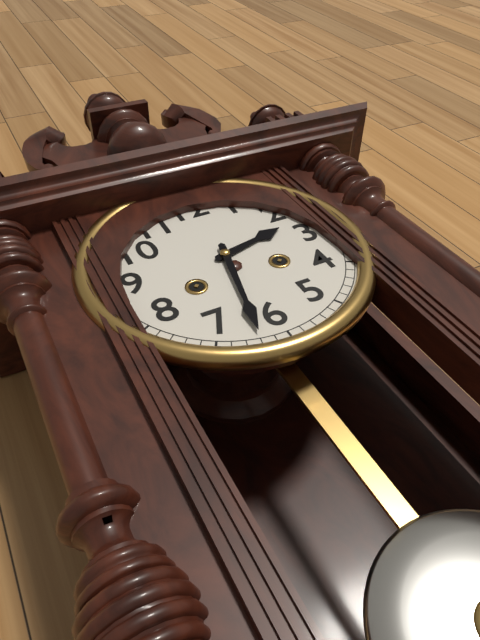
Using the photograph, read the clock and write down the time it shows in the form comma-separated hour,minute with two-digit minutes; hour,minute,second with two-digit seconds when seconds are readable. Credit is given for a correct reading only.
2,32
